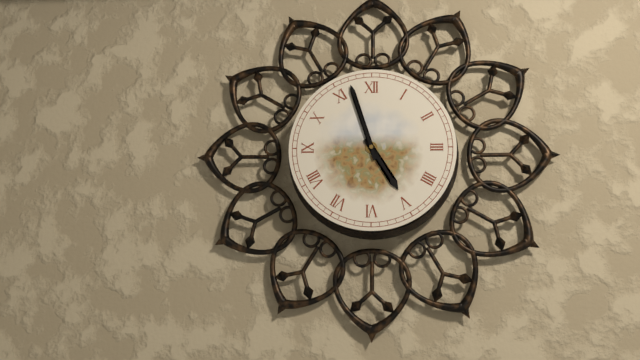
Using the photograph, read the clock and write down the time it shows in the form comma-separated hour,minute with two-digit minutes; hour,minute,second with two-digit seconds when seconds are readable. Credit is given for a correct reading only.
4,57
